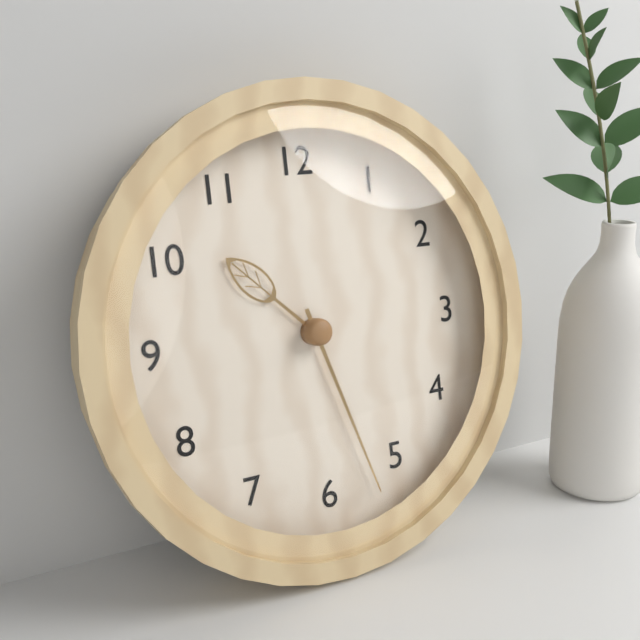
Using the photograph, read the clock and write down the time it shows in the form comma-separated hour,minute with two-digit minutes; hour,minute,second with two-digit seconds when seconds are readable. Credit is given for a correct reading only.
10,27
